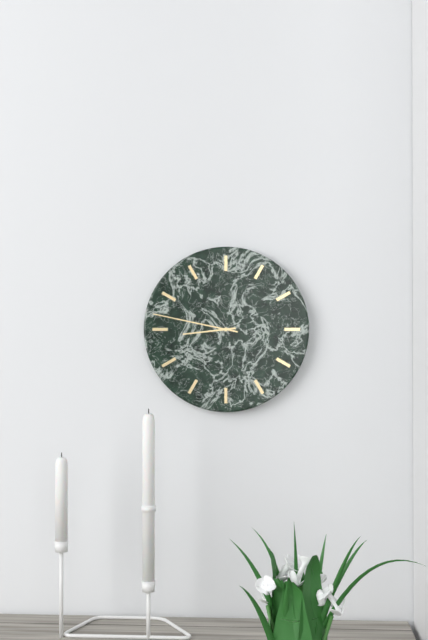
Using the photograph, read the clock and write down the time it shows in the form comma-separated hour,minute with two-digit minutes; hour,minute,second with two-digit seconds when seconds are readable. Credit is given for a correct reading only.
8,47
